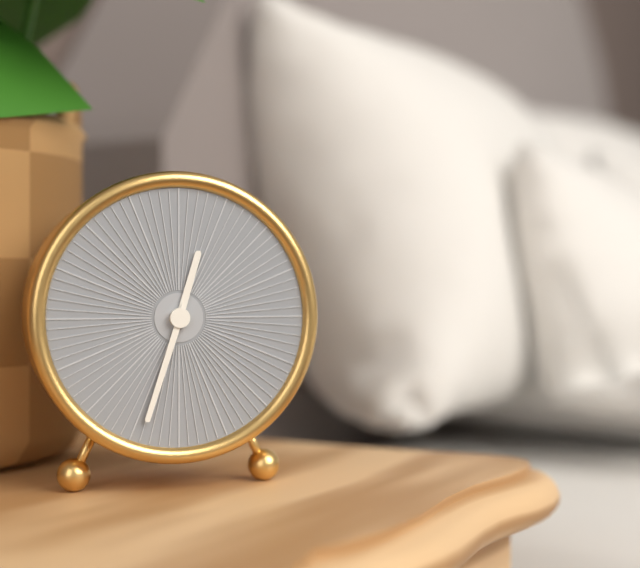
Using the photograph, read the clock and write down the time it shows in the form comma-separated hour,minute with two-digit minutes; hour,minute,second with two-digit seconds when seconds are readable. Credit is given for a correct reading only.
12,33
